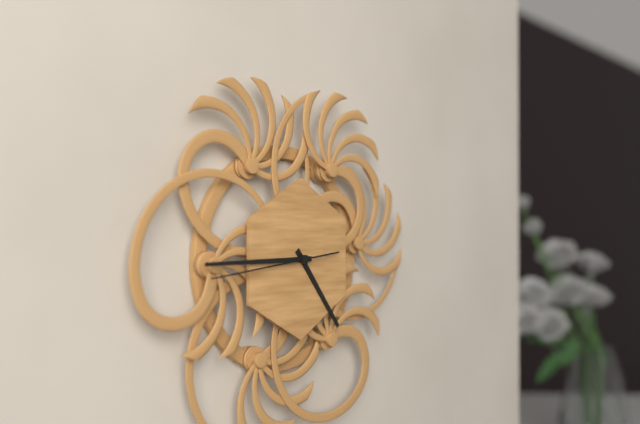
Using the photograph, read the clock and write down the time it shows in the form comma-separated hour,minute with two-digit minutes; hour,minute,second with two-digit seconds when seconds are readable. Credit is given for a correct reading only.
4,45,44
